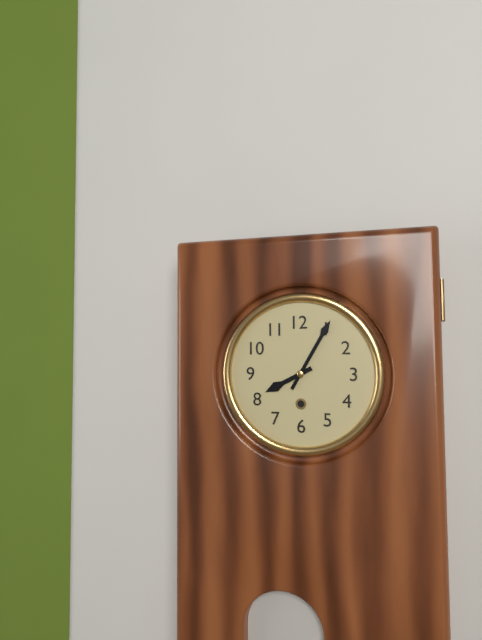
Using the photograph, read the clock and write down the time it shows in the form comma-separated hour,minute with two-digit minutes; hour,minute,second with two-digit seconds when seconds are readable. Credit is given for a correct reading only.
8,05
